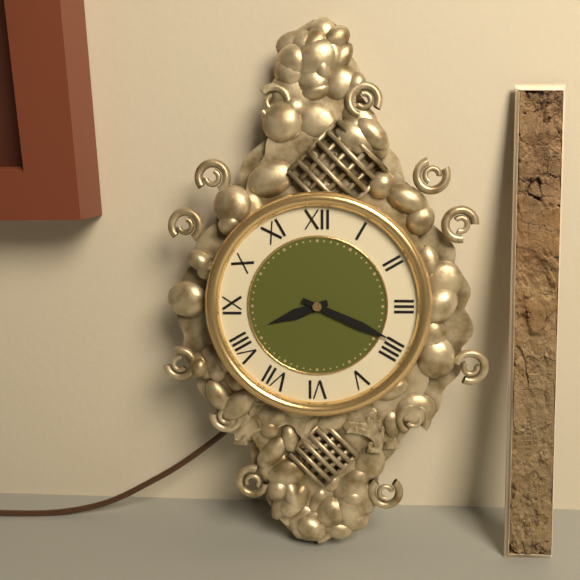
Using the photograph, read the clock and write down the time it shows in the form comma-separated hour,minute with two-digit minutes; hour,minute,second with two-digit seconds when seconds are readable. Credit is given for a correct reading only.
8,19
